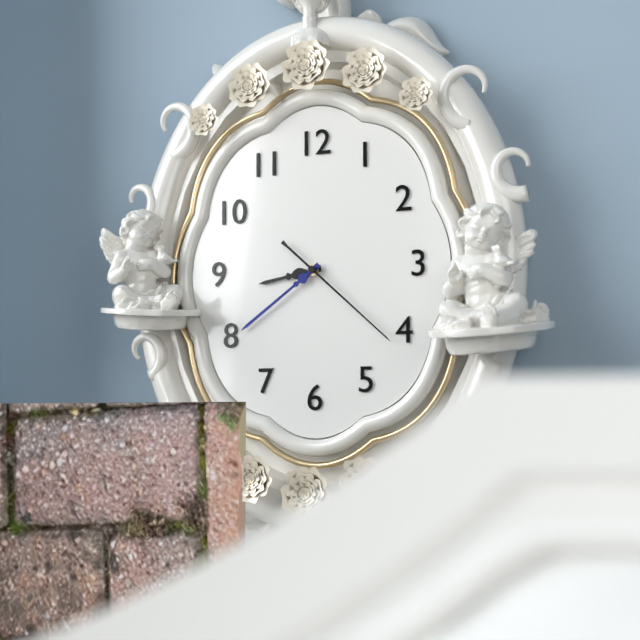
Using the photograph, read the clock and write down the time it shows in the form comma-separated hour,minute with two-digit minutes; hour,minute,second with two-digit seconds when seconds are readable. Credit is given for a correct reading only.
8,39,22
